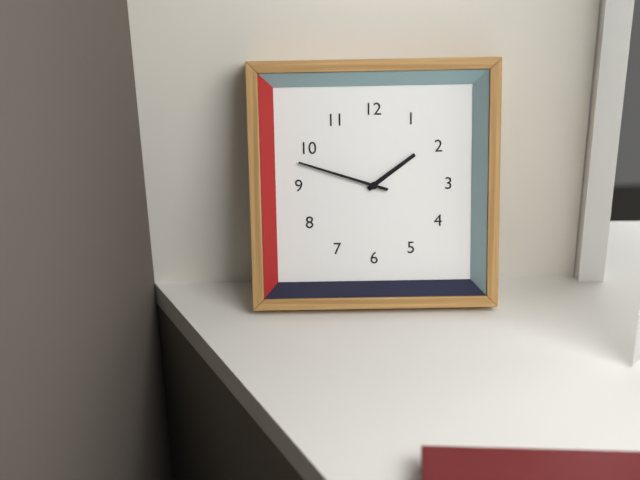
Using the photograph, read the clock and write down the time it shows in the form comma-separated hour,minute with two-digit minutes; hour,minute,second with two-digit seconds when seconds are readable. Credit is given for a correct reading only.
1,48
